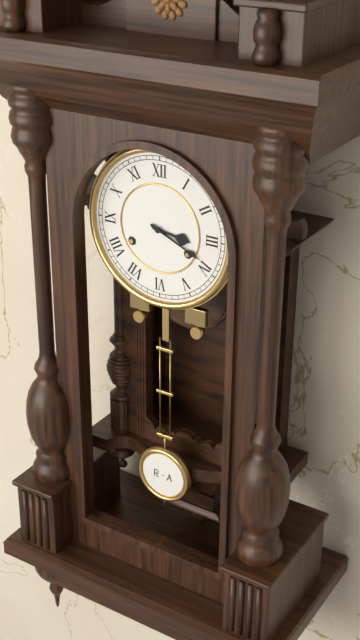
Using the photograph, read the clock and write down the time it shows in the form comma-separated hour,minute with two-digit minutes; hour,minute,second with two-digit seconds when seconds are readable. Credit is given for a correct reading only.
3,19
